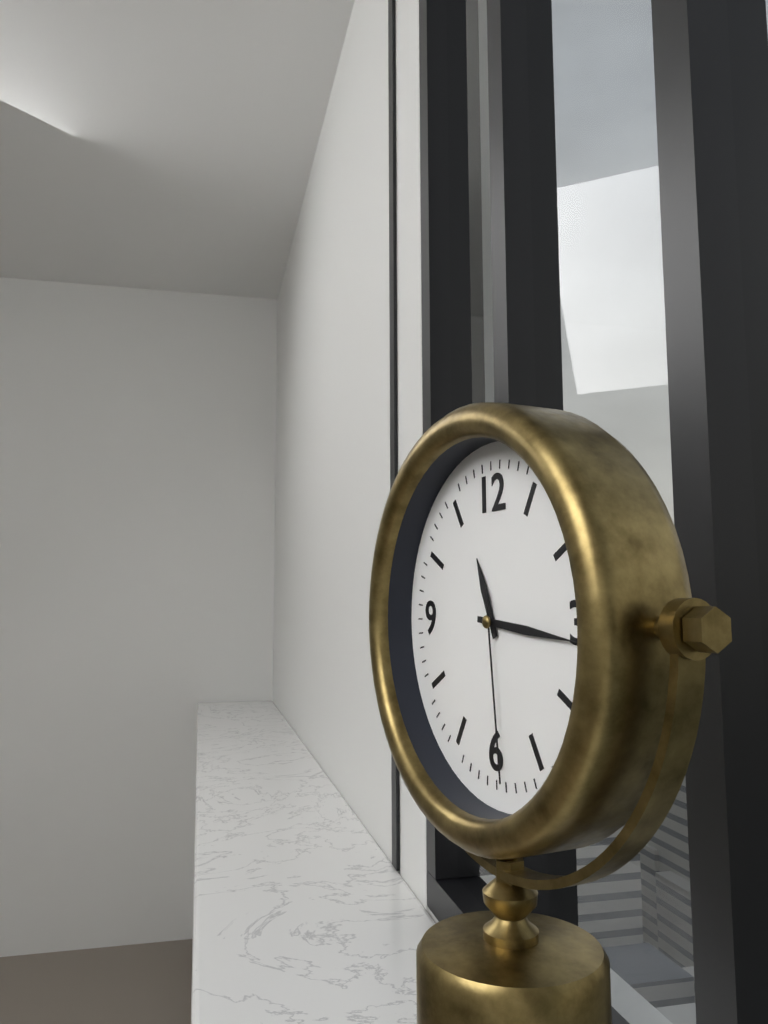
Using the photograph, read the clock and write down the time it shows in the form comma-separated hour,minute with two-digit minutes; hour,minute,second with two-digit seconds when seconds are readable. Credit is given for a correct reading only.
11,16,29
